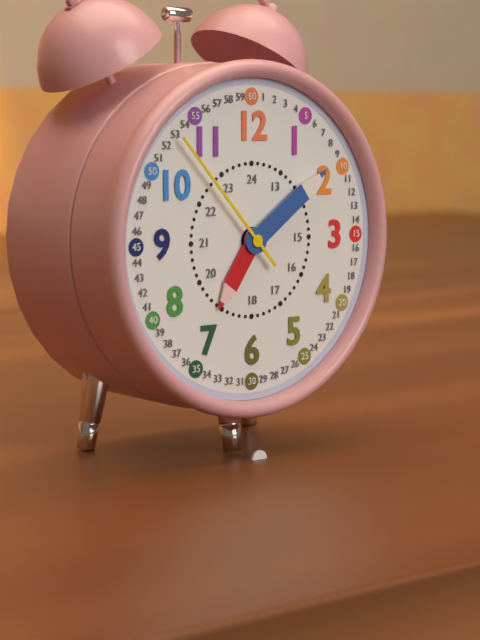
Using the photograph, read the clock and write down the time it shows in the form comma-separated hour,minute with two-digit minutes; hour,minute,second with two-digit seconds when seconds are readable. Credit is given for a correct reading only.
7,09,53
